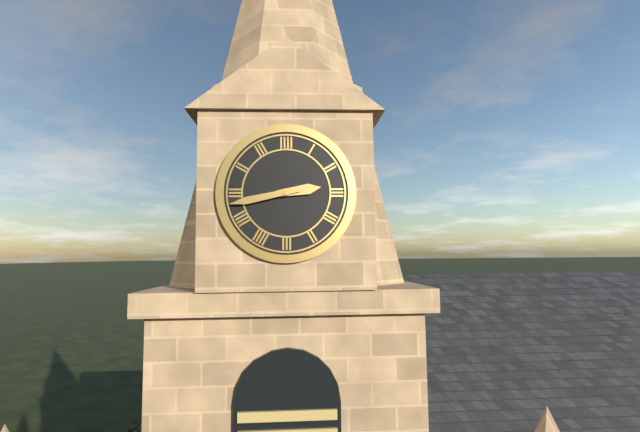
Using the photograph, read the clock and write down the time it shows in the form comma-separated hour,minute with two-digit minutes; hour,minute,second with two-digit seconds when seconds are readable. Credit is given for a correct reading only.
2,43
